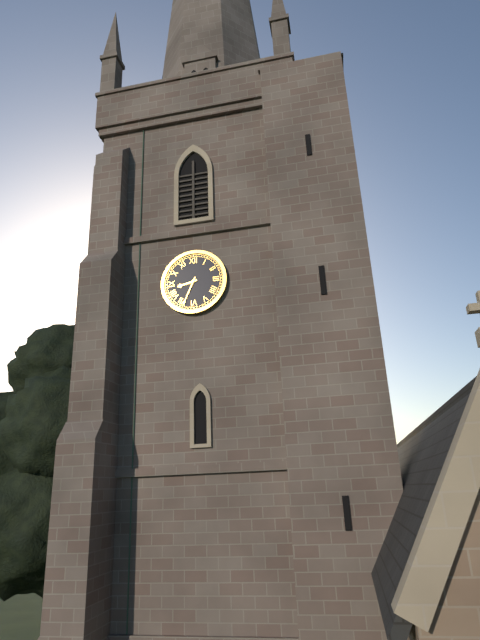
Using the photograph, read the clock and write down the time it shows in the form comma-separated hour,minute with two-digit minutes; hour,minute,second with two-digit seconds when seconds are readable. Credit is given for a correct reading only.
8,34
